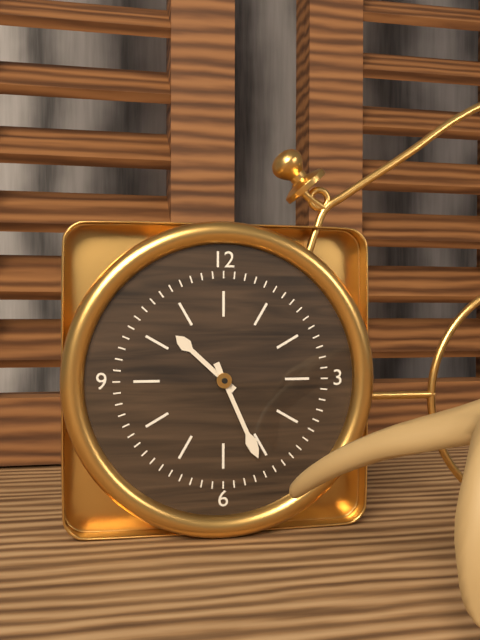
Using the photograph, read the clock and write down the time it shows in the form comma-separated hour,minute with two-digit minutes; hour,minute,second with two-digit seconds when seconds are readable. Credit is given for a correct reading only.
10,26
